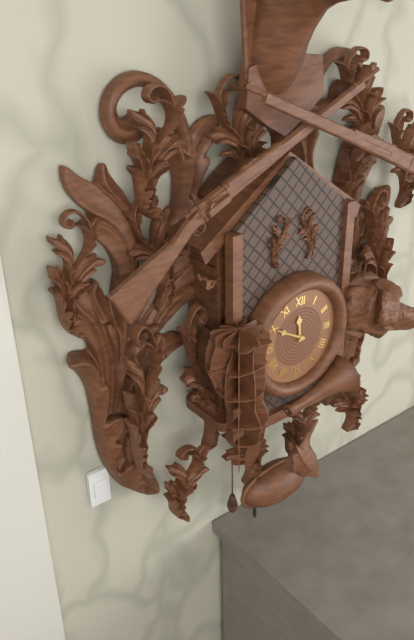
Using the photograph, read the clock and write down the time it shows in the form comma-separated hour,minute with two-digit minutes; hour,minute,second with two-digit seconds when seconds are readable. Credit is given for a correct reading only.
11,50
